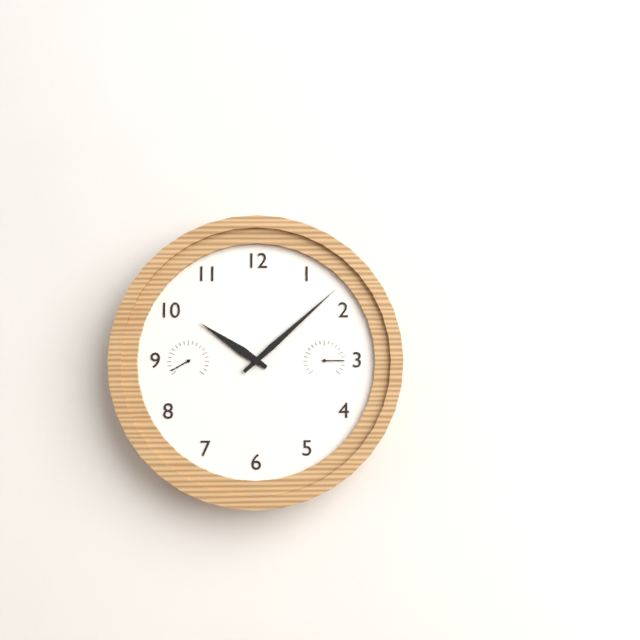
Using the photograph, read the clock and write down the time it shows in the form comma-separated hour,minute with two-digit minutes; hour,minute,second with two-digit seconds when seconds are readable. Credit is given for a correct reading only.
10,08
